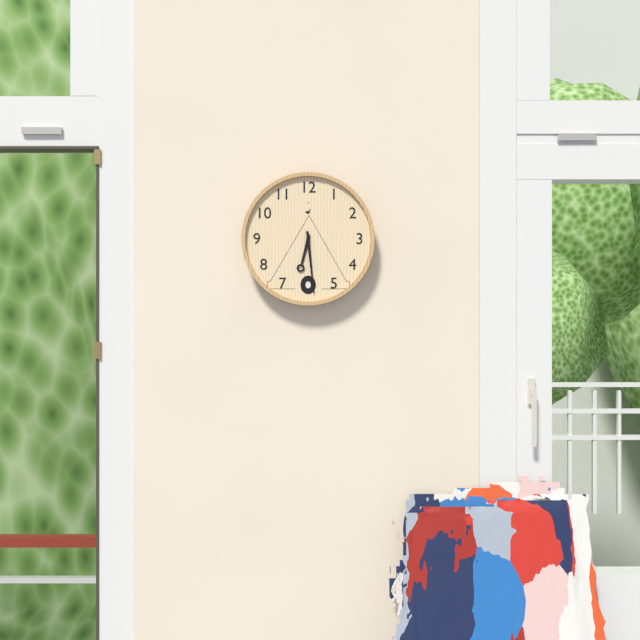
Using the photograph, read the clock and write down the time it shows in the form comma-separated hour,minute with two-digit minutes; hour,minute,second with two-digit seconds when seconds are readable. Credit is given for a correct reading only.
6,29
